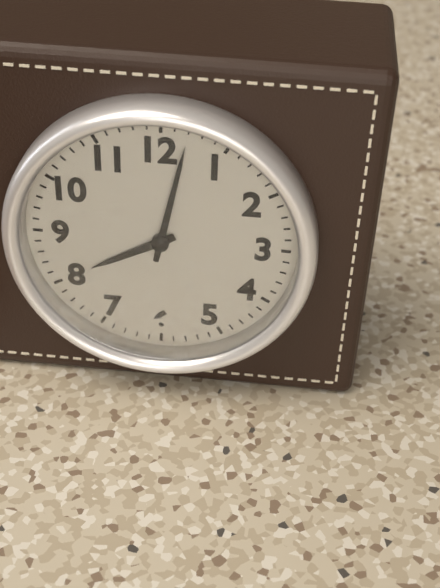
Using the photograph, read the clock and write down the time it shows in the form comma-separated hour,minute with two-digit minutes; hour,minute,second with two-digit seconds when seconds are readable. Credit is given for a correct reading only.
8,02
